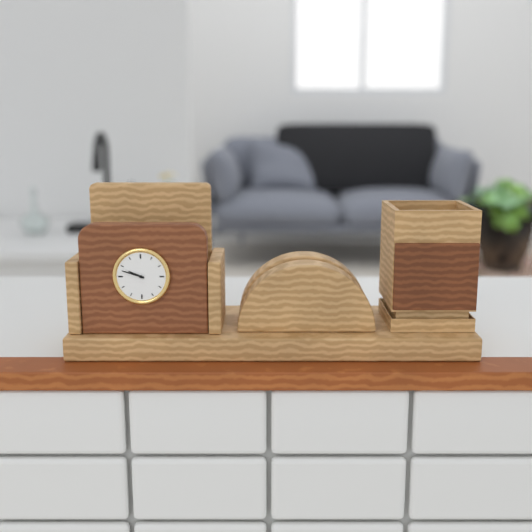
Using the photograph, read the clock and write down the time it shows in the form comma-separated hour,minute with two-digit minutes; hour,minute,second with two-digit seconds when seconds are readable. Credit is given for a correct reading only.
9,48
